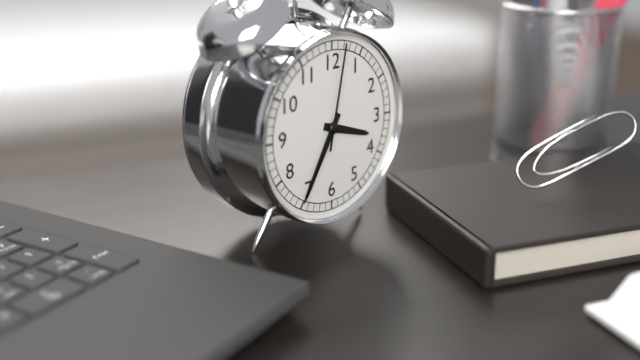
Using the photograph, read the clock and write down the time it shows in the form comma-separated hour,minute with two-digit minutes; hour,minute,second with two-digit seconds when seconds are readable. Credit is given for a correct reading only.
3,35,02
